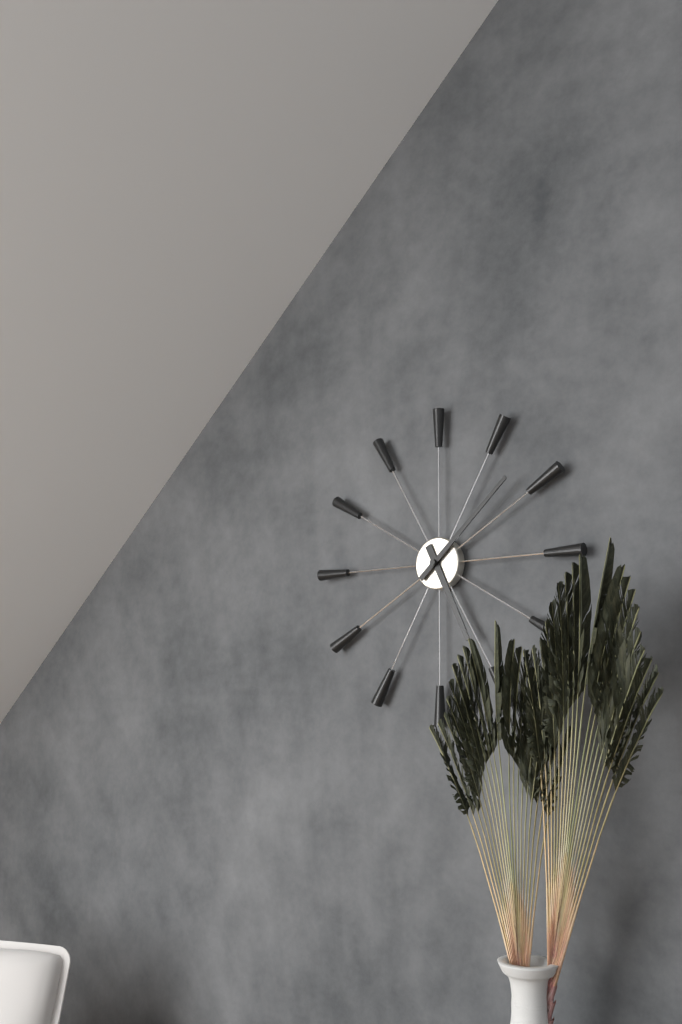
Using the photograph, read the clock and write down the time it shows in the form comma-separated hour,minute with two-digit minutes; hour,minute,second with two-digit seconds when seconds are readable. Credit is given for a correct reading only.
5,08
